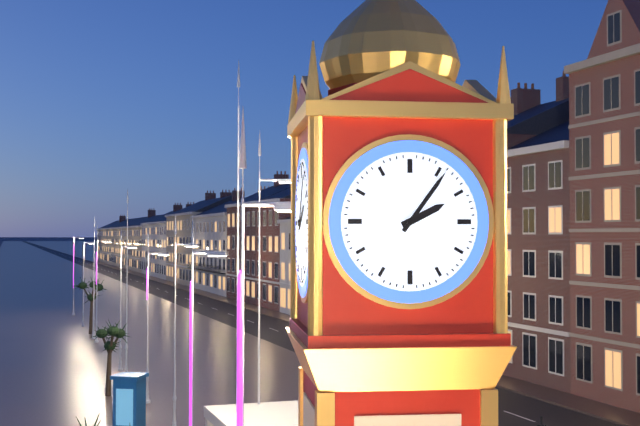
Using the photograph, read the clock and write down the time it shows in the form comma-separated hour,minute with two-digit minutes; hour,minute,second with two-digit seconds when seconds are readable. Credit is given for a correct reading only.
2,06
